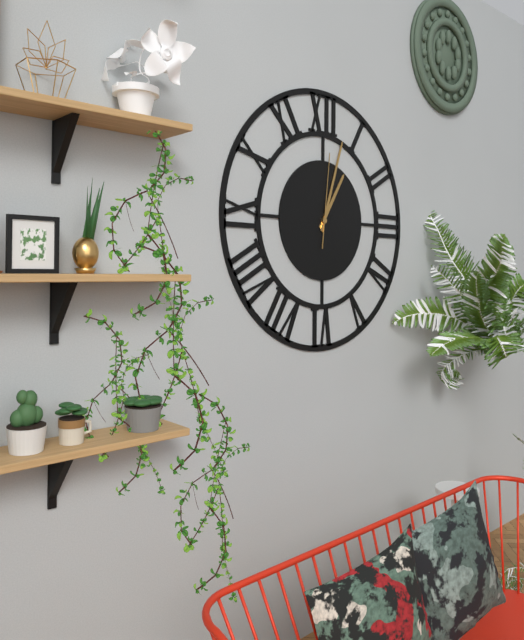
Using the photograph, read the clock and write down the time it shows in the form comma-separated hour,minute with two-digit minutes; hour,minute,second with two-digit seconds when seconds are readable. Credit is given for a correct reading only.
1,03,01
